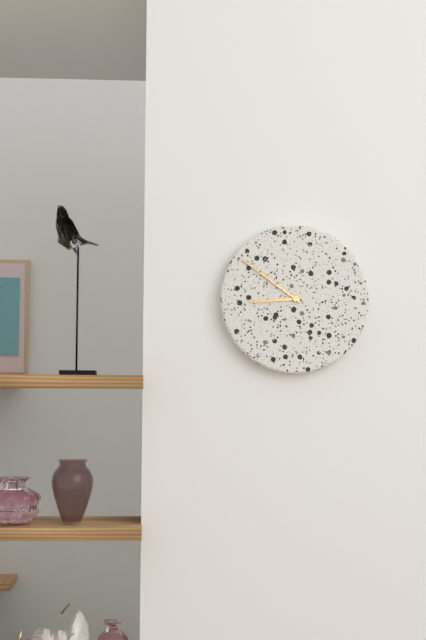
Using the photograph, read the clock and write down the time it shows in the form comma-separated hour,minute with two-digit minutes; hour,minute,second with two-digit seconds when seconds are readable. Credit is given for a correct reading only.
8,51
